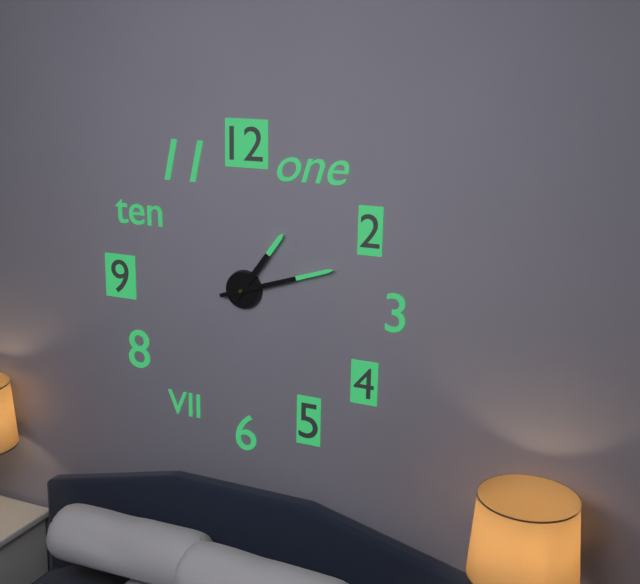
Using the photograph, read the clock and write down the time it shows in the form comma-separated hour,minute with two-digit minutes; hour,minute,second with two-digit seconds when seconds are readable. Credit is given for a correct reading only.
1,12
